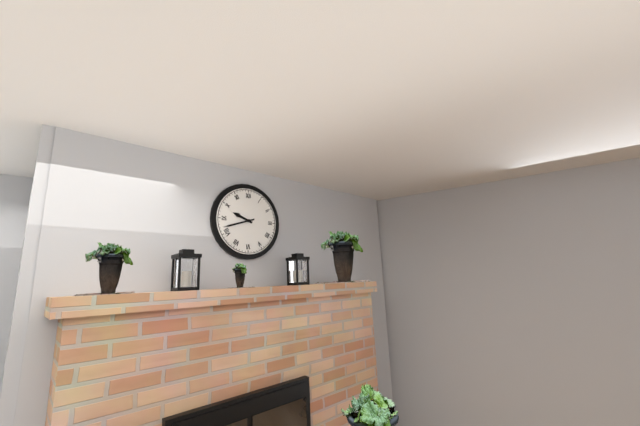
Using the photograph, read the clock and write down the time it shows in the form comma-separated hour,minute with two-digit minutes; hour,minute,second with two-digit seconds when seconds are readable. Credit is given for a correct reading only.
9,42
